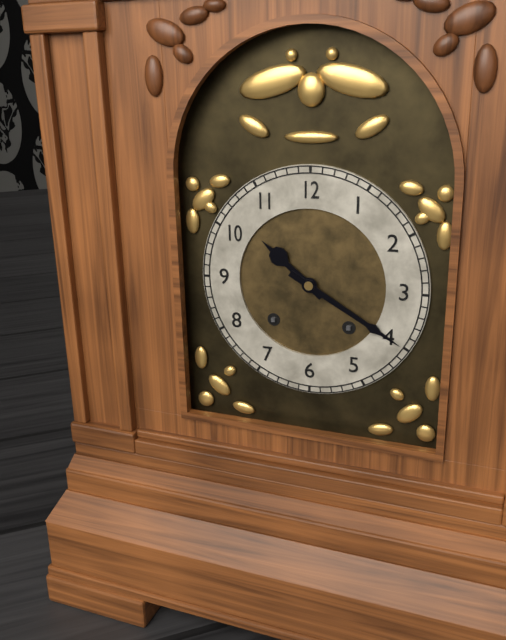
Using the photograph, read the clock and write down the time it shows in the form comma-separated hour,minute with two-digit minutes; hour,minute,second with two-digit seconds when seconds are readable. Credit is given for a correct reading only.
10,20
